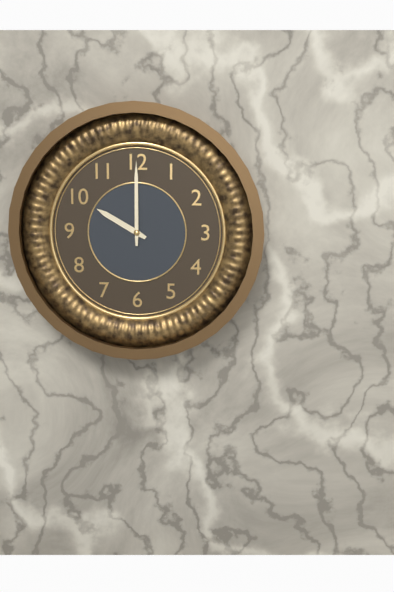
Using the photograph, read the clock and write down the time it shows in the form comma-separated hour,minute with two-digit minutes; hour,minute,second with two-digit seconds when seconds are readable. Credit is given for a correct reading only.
10,00
